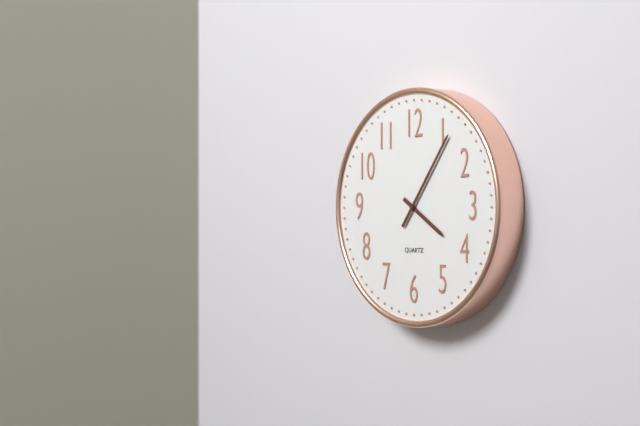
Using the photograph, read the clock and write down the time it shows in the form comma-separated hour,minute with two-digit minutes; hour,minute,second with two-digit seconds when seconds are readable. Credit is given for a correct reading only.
4,06
